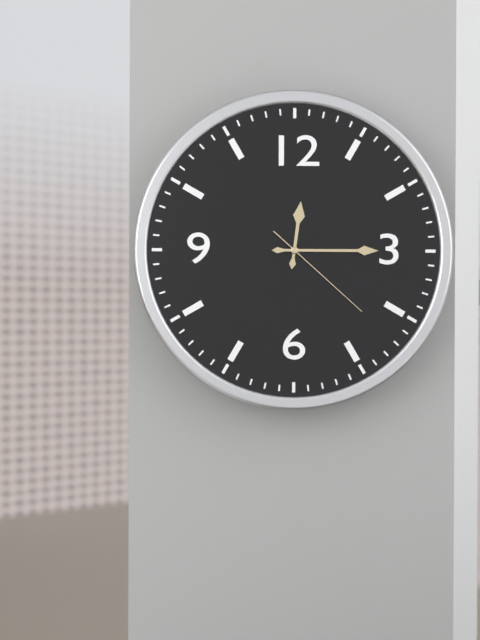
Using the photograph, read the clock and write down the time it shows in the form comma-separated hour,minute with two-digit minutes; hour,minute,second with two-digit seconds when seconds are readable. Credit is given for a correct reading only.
12,15,22
